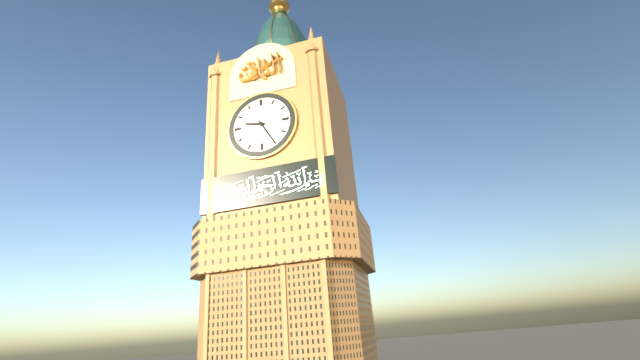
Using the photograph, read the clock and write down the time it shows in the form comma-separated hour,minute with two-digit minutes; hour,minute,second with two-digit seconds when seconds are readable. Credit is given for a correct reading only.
9,25
